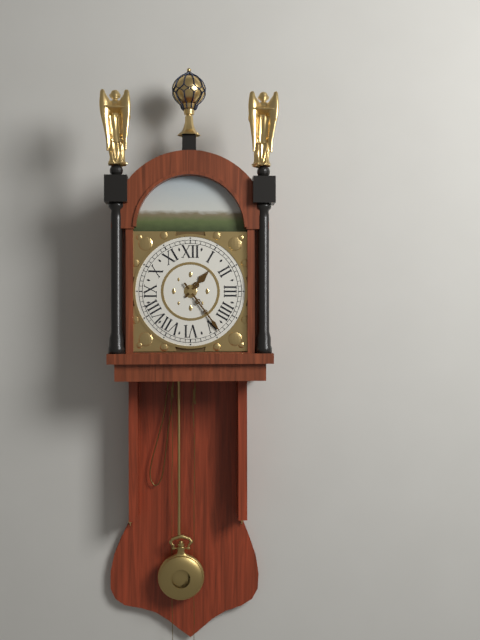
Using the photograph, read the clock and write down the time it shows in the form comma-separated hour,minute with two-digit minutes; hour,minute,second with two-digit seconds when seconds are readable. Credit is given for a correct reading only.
1,24
